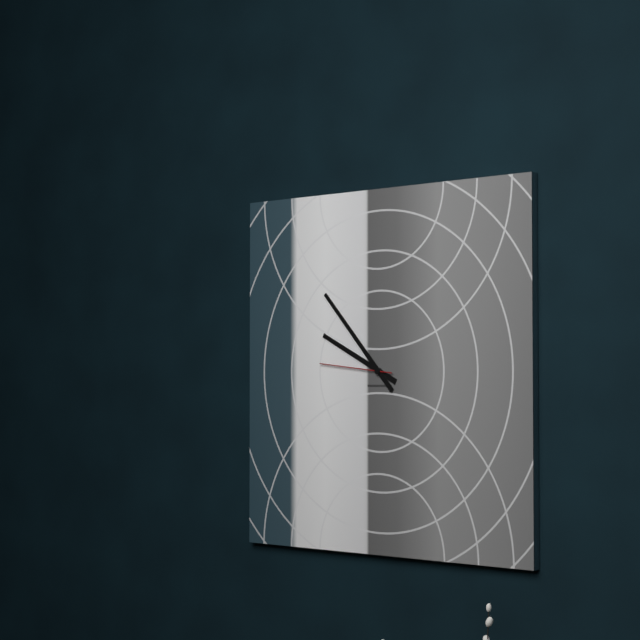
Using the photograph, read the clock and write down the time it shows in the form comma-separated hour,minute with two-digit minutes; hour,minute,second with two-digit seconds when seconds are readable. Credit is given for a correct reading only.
9,53,46
